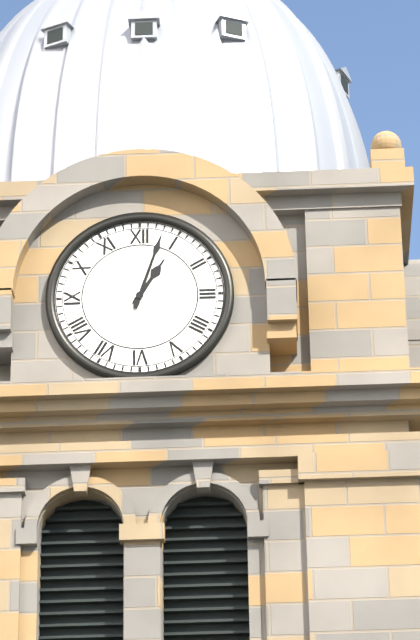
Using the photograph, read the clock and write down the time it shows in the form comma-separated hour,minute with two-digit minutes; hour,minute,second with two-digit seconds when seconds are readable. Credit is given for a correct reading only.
1,03
